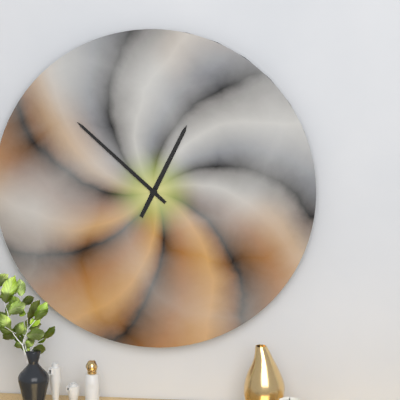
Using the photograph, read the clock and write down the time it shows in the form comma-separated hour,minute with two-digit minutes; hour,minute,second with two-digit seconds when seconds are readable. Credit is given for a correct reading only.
12,52
